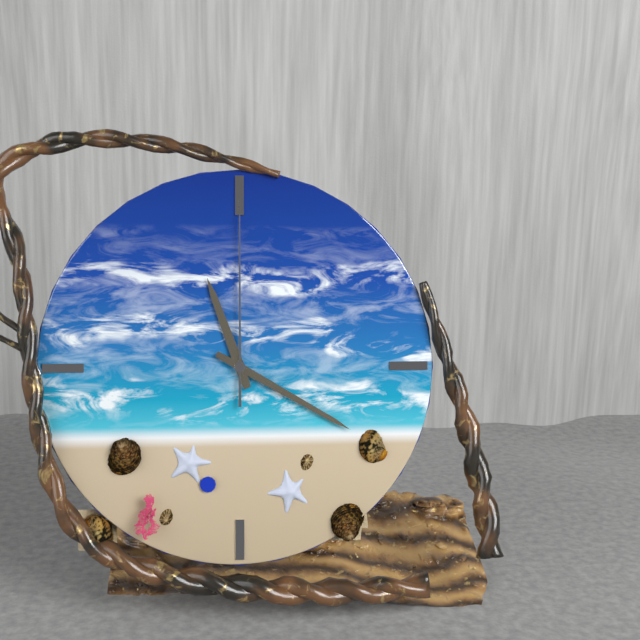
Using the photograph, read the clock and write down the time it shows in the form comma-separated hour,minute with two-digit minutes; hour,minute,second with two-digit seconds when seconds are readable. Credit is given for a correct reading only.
11,20,00
